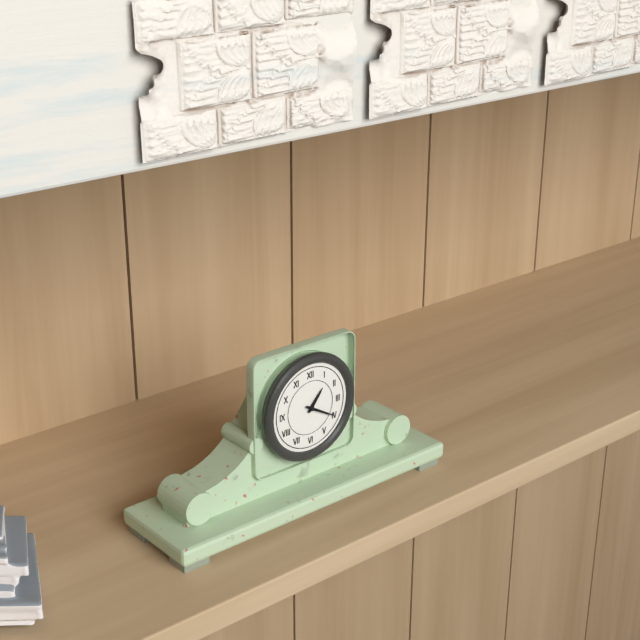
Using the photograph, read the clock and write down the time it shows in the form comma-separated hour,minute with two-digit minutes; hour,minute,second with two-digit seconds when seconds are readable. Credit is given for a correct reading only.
1,20
